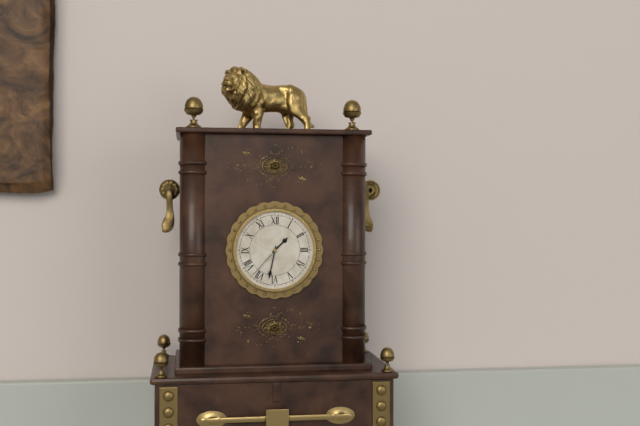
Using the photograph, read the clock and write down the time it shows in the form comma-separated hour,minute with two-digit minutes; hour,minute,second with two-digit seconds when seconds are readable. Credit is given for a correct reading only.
1,32
